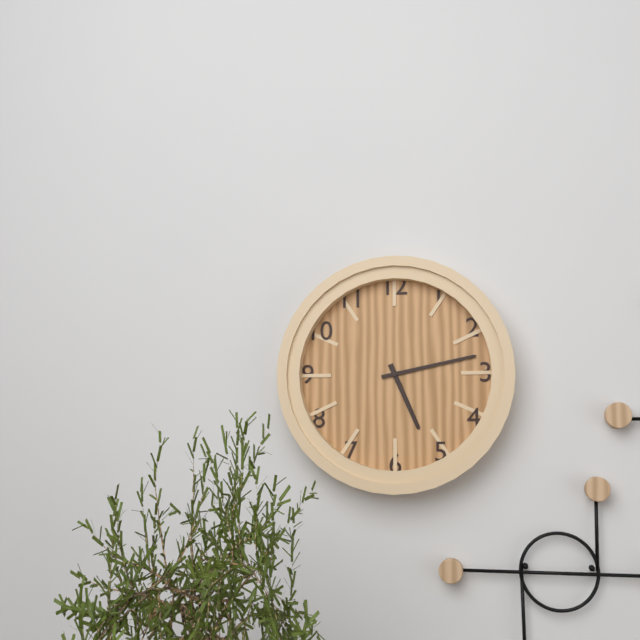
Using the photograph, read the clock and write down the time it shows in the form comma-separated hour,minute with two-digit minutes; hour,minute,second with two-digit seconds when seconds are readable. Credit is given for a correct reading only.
5,13
